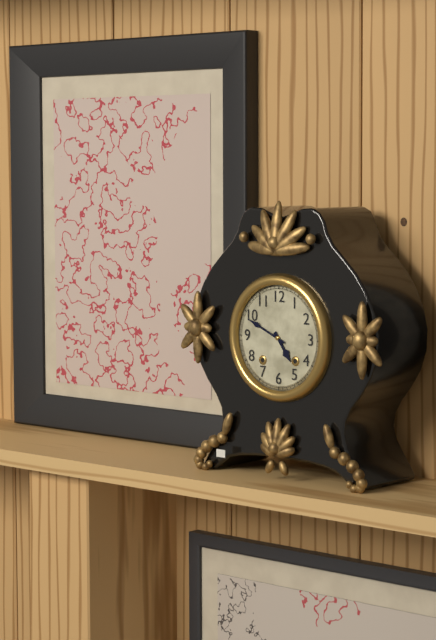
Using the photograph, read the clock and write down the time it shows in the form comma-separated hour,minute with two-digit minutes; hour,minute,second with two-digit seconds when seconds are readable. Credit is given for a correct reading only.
4,49
